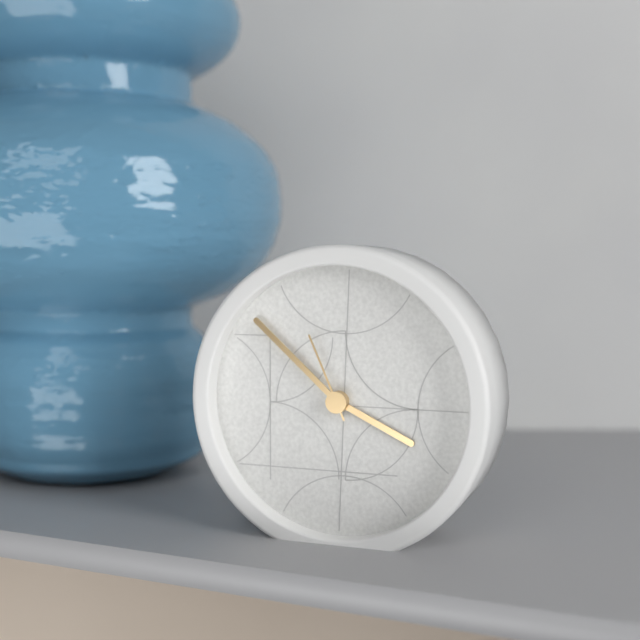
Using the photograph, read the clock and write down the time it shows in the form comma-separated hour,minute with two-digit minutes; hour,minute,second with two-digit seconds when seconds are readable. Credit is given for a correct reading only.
3,52,56
